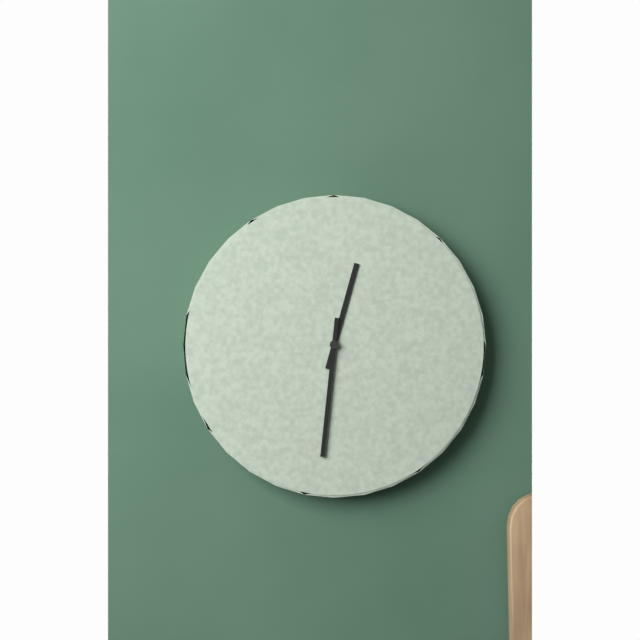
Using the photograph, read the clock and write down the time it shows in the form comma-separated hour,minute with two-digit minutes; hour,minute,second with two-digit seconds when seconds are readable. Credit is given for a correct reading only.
12,31
